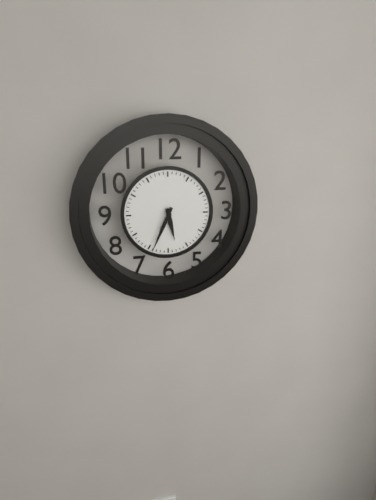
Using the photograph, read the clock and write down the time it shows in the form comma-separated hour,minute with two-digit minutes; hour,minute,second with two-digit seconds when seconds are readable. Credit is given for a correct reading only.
5,34
